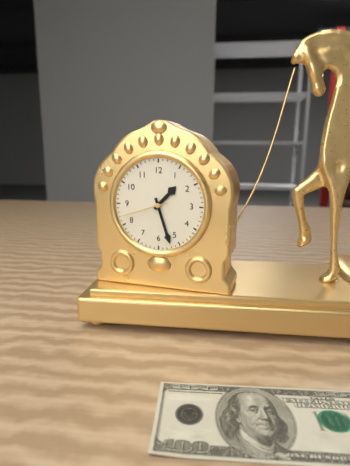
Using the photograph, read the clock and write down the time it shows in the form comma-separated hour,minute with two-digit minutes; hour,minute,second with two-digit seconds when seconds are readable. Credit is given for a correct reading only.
1,27
